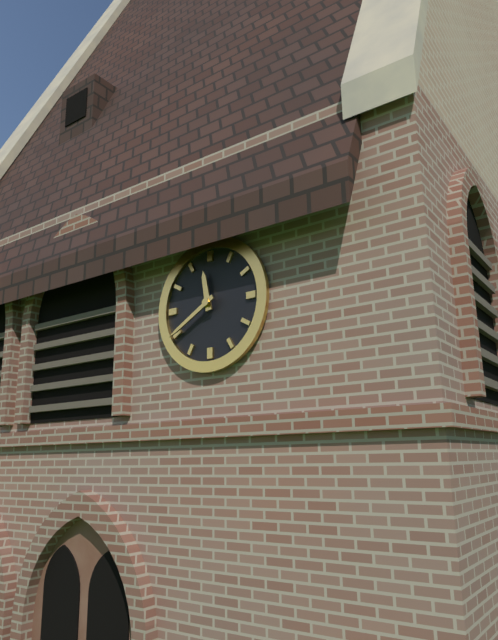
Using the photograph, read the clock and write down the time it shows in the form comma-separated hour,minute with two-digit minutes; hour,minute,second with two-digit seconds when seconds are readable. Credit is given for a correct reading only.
11,40
